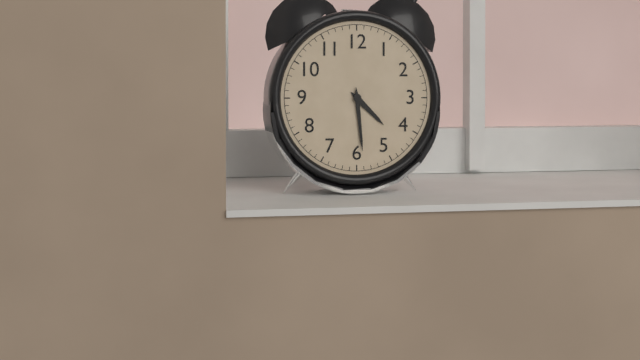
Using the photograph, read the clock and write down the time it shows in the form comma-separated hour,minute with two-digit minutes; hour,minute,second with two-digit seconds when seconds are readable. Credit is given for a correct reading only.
4,29
